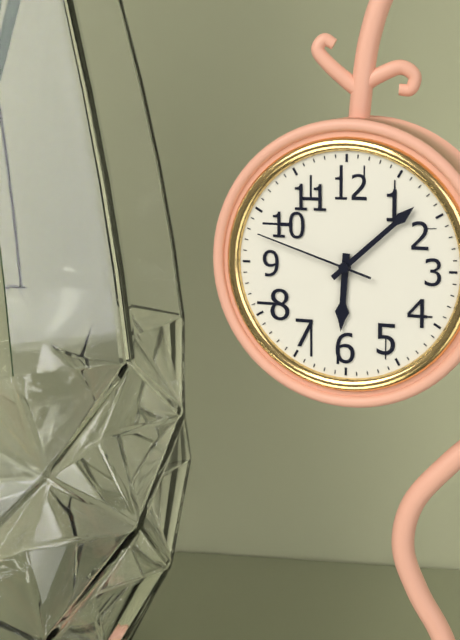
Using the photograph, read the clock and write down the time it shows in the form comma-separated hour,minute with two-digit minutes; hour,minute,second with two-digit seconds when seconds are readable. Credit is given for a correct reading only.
6,08,48
